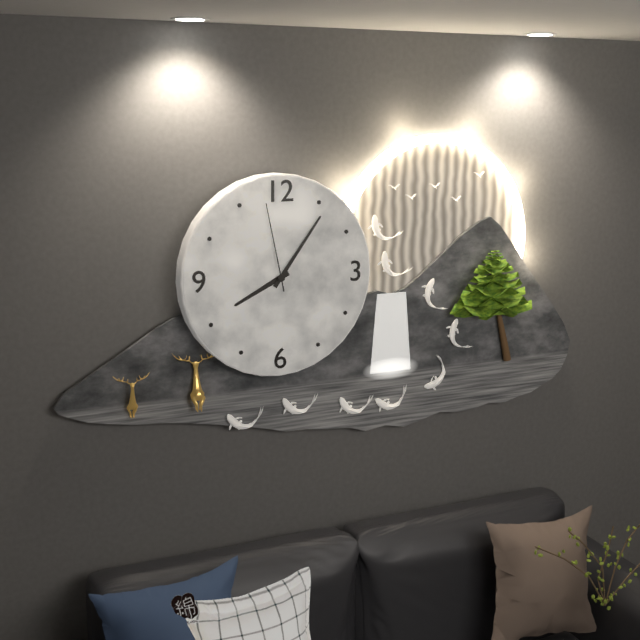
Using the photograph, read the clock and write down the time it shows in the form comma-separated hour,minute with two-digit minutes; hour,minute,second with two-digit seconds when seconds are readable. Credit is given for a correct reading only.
8,06,58
